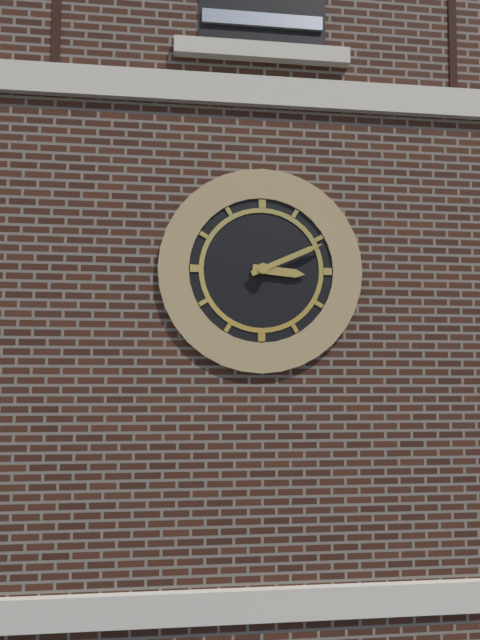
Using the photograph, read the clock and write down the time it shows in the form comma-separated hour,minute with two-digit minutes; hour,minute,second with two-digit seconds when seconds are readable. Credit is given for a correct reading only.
3,11
